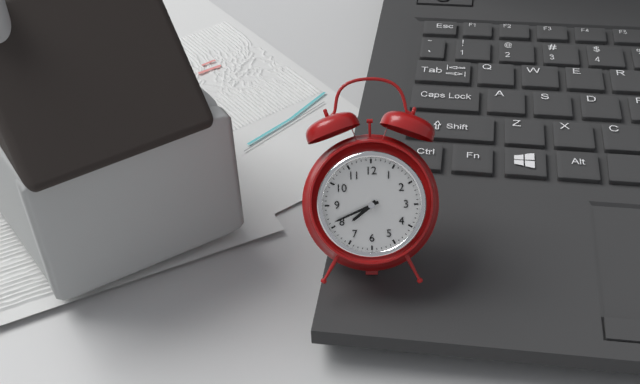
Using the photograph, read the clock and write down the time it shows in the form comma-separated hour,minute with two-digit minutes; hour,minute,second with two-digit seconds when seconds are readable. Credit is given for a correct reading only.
7,41
